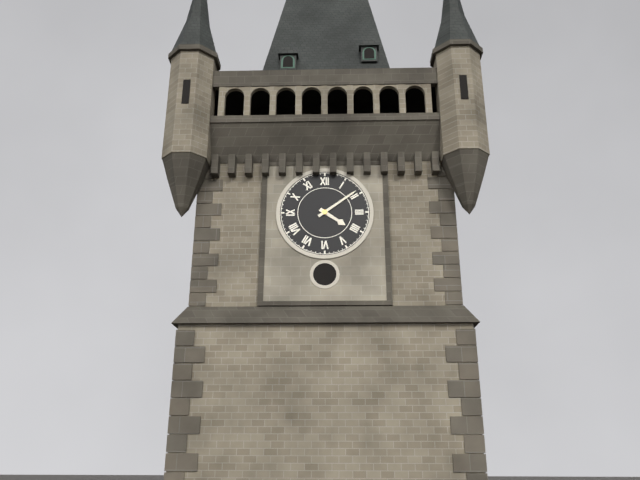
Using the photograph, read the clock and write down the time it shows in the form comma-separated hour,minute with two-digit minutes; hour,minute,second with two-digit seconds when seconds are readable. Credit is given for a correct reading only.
4,09
